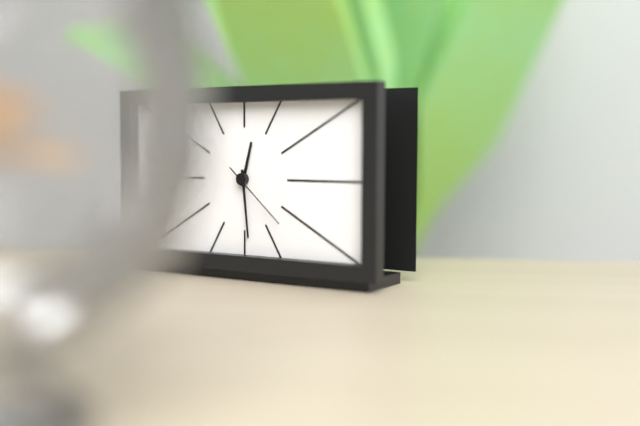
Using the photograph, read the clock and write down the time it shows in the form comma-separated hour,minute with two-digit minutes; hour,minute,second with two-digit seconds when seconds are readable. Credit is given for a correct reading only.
12,29,22
